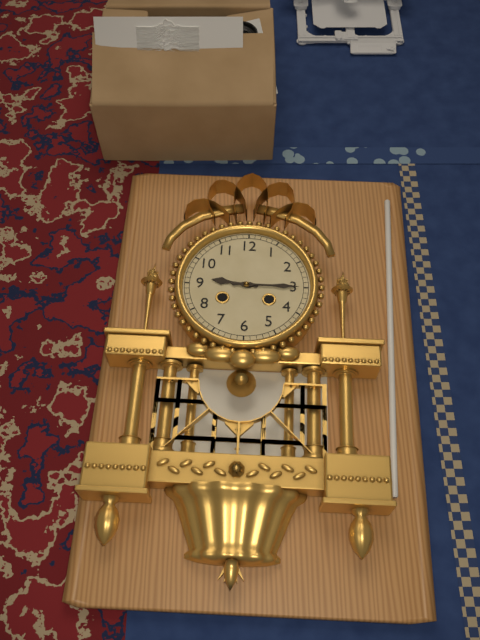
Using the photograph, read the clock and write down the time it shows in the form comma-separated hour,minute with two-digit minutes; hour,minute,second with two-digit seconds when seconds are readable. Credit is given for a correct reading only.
9,15
